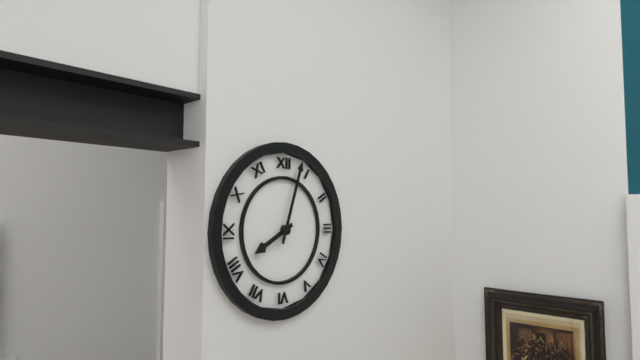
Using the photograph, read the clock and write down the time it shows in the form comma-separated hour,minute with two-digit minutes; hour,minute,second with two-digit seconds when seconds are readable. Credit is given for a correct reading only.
8,03
